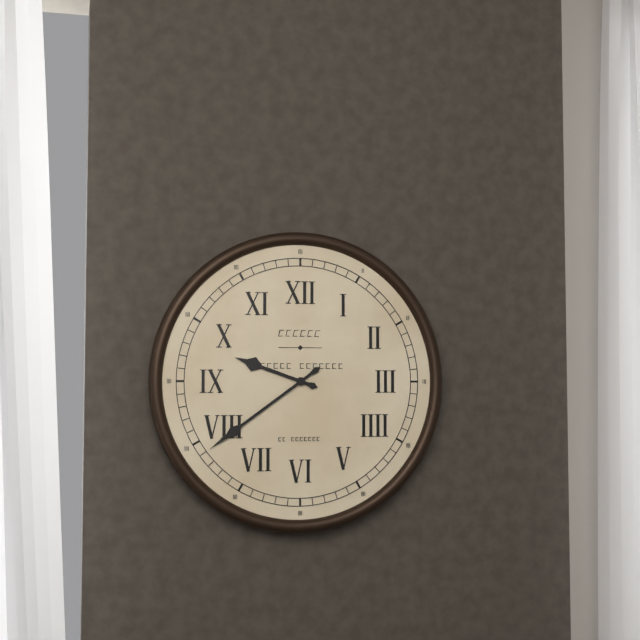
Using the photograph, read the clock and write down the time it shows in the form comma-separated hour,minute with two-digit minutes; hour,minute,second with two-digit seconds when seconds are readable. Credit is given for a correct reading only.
9,39
